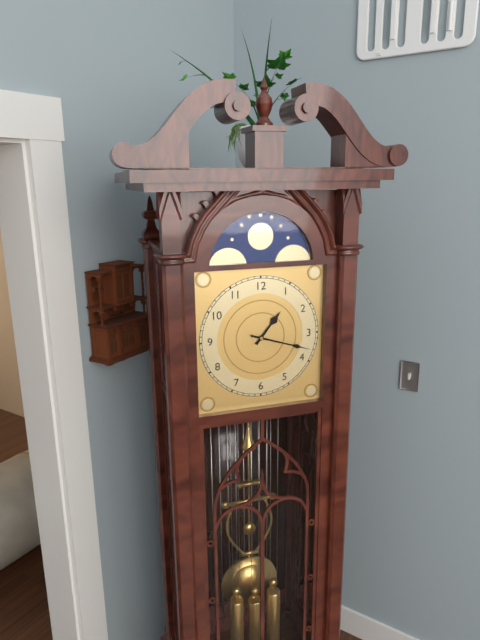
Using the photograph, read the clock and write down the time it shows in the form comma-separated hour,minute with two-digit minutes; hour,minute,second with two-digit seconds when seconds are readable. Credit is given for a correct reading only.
1,18
